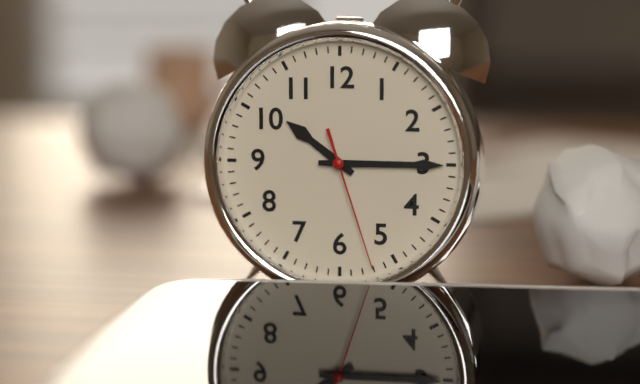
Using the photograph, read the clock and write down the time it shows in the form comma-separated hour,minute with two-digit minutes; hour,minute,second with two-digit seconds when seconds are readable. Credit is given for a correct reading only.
10,15,27
